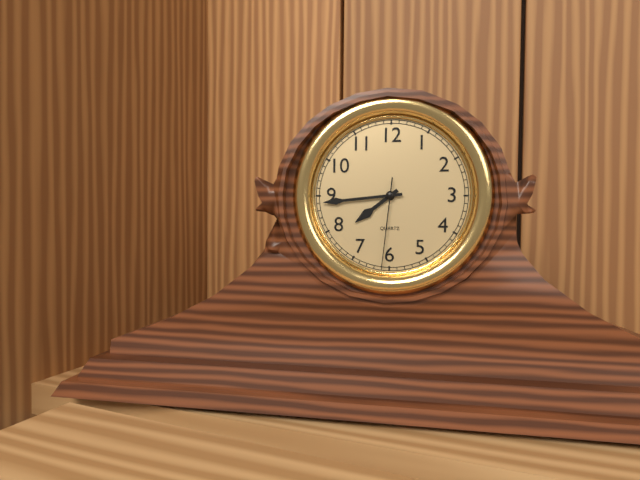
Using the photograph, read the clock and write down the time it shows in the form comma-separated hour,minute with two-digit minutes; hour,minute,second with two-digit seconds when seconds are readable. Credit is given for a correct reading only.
7,44,31
